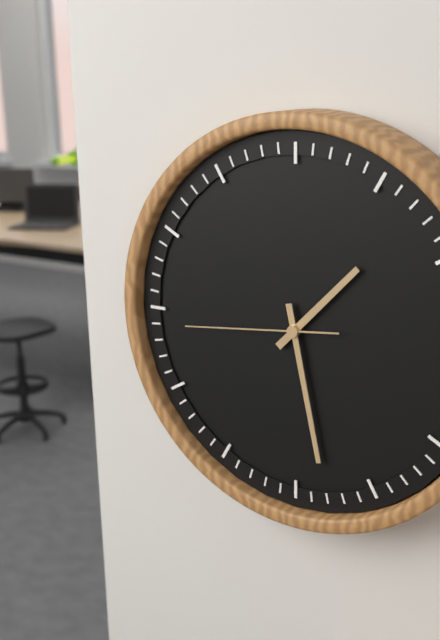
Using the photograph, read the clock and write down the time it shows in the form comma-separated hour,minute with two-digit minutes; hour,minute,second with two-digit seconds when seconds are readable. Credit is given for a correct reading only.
1,28,44
